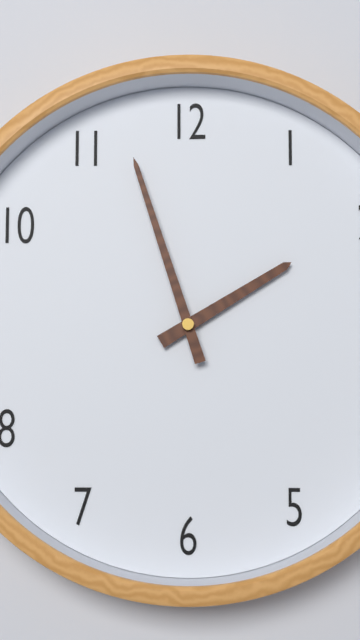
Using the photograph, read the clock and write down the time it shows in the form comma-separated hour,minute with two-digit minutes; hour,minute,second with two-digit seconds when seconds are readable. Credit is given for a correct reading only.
1,57
